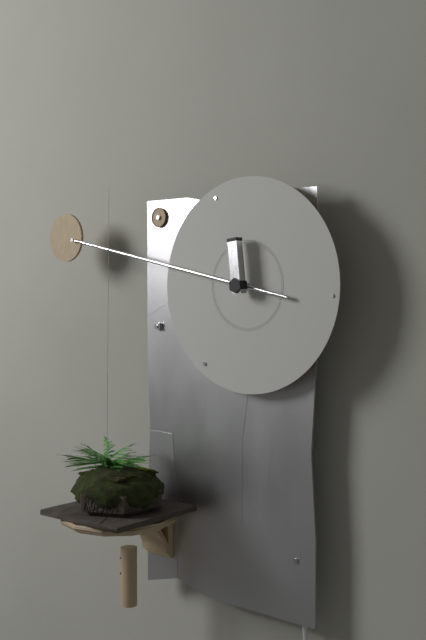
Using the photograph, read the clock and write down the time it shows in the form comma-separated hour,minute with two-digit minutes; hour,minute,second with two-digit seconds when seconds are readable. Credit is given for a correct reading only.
11,47
